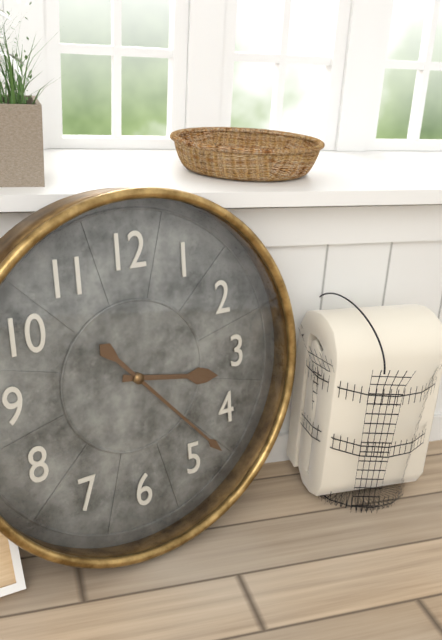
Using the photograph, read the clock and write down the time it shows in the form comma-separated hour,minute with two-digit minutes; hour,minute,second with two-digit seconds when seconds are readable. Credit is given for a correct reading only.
3,23
